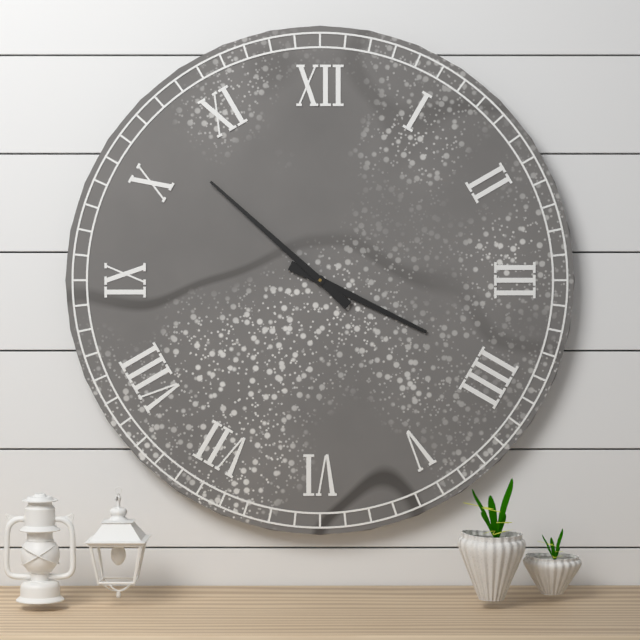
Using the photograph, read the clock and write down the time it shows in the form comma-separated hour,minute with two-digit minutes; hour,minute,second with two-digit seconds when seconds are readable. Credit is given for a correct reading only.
3,52
